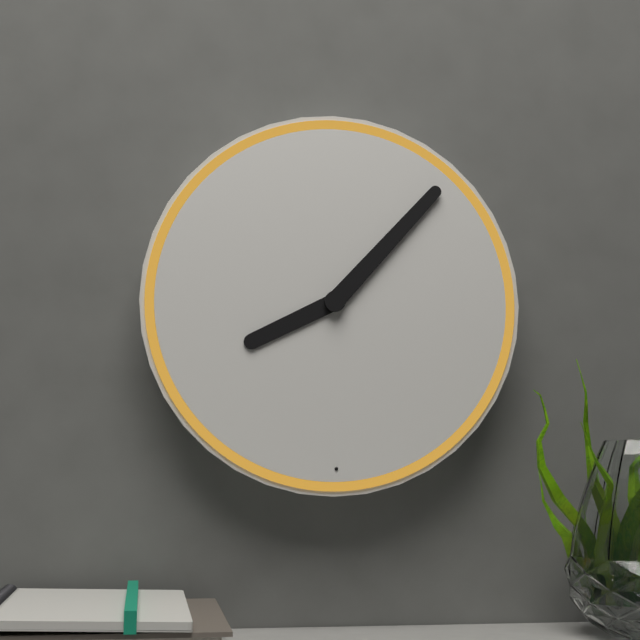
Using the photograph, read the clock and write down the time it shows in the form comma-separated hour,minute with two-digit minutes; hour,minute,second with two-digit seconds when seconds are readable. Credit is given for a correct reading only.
8,07
